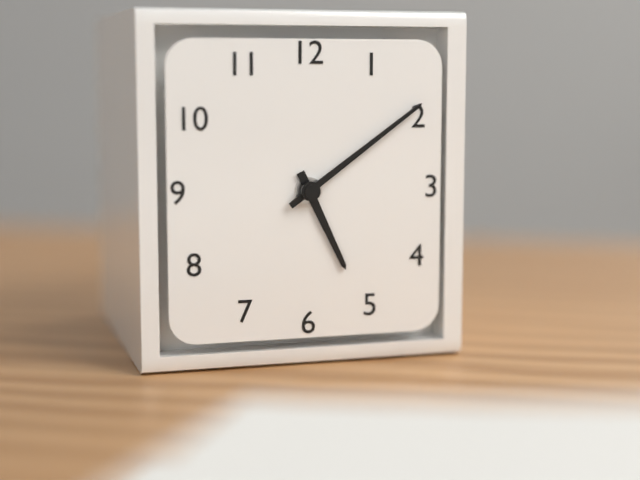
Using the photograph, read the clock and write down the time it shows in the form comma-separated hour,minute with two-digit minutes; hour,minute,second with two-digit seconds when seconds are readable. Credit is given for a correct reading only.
5,09
